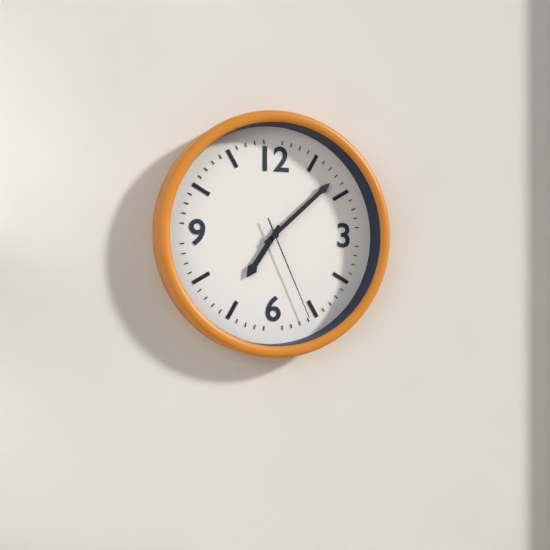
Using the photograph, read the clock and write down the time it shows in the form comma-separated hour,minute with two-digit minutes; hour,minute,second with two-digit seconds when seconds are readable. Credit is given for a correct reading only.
7,08,26
